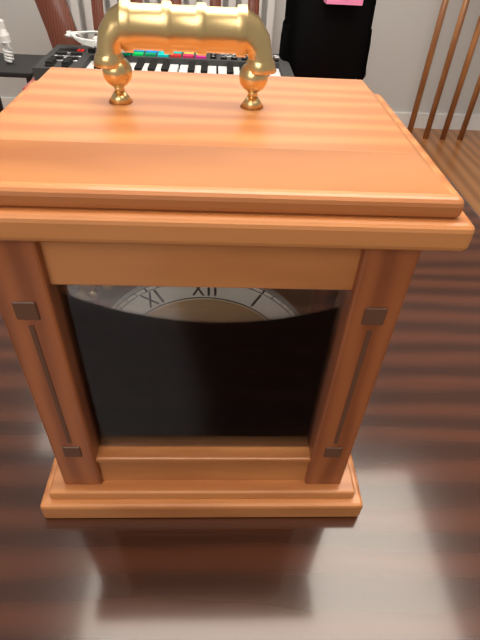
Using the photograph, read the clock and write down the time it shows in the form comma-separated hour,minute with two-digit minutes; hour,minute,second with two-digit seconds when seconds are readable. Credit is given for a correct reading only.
8,23
